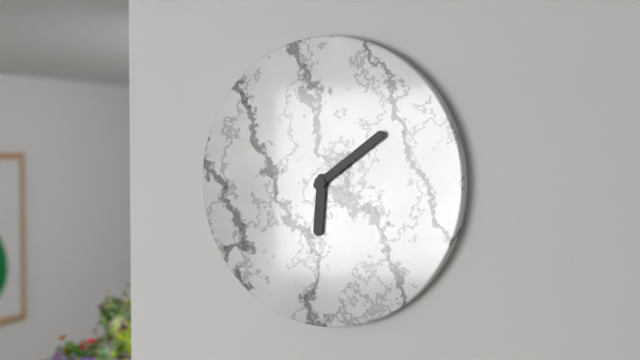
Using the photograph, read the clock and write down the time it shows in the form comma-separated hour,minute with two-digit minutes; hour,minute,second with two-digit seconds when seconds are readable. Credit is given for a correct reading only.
6,09
